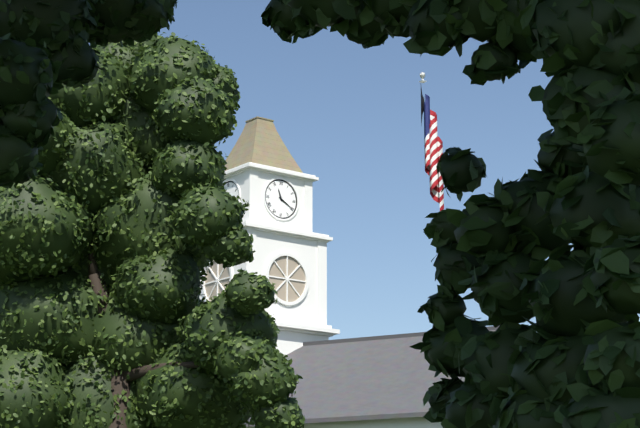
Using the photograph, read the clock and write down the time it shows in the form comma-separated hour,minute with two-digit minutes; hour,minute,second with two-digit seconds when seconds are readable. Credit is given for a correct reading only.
11,20
